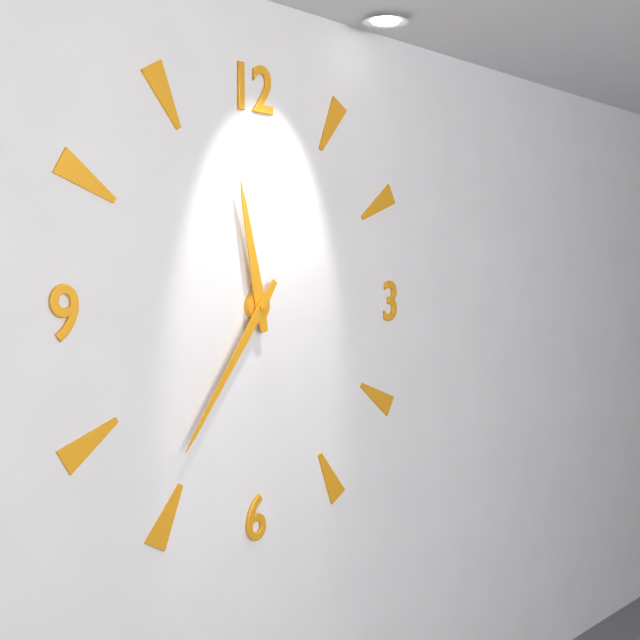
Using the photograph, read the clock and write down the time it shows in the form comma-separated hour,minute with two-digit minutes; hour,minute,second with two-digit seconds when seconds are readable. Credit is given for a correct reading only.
11,36
